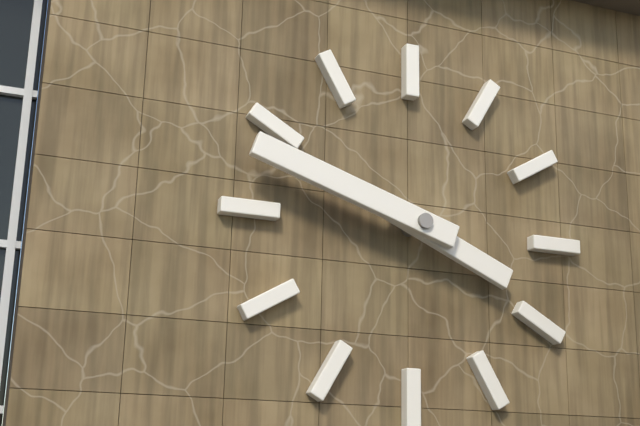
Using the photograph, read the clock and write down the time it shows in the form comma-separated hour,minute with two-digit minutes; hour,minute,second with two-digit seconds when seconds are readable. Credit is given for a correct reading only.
3,48
